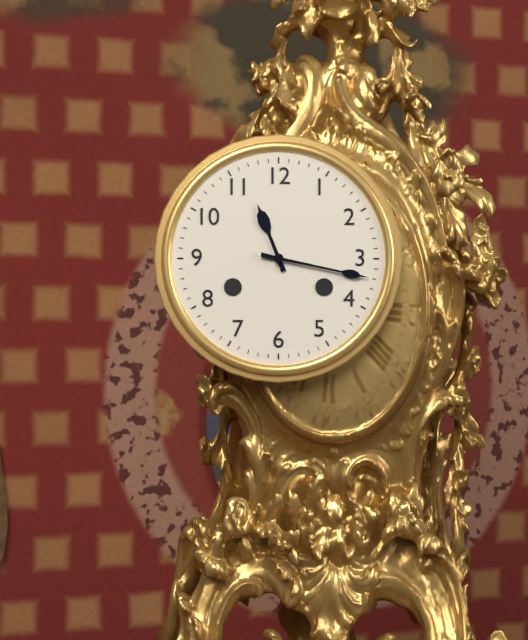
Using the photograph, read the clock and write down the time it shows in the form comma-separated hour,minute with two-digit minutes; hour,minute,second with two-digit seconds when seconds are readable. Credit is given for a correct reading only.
11,17
